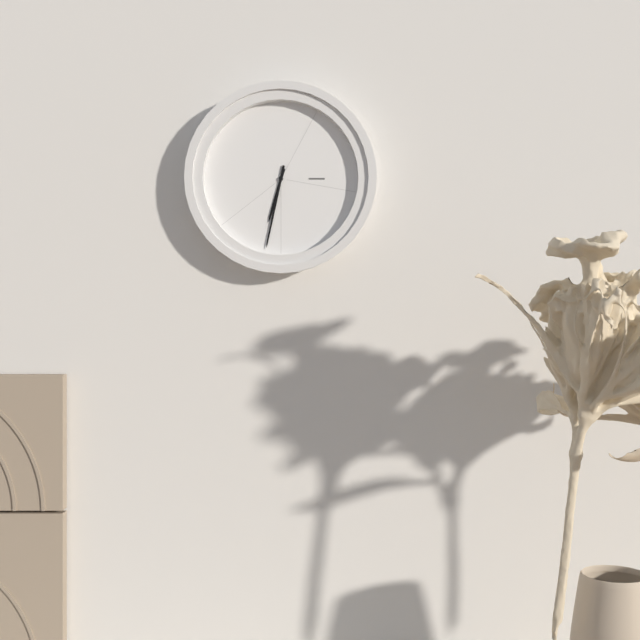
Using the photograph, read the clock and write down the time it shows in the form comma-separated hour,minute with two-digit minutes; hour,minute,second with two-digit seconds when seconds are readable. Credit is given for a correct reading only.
6,32
